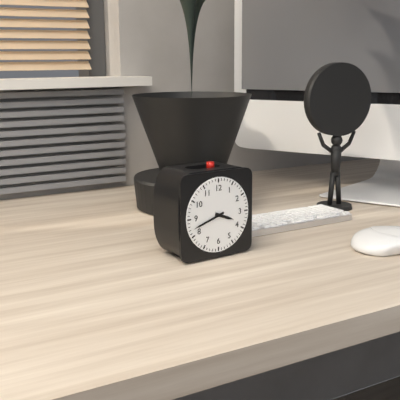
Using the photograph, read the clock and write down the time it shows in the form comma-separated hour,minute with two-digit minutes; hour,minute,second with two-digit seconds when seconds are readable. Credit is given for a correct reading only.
3,42
